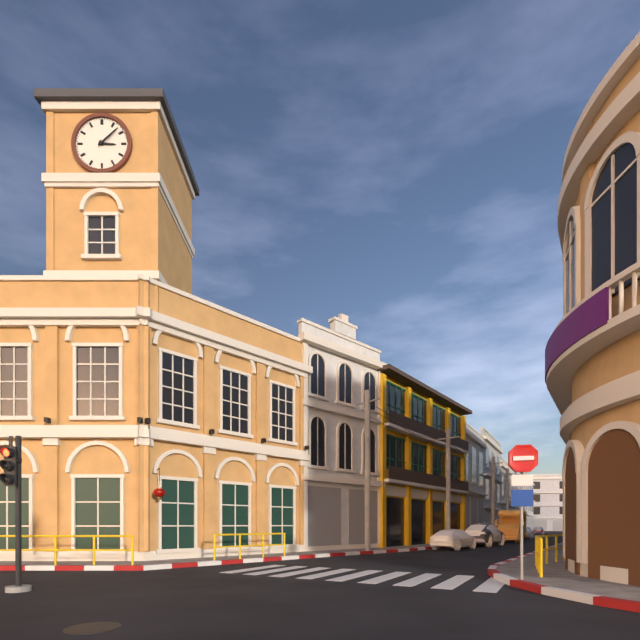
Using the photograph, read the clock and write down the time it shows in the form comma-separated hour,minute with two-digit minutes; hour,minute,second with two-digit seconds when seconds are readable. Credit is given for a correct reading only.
3,08
